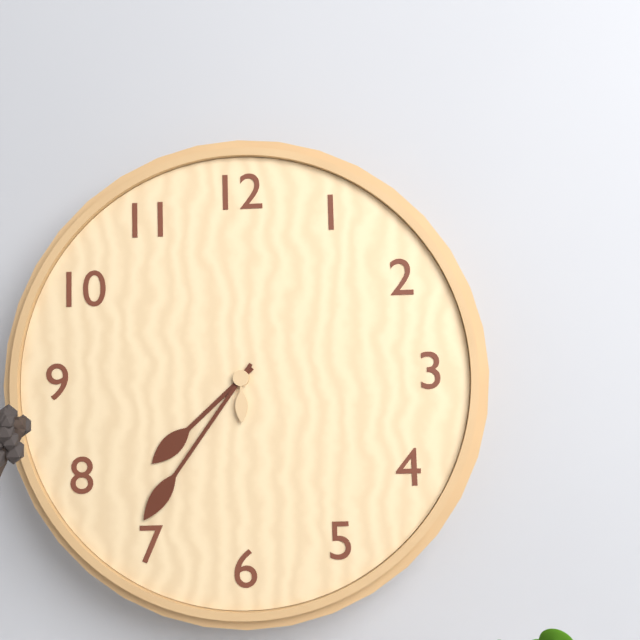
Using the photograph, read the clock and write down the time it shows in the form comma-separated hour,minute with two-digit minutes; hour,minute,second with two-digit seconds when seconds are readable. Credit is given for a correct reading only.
7,36,30
